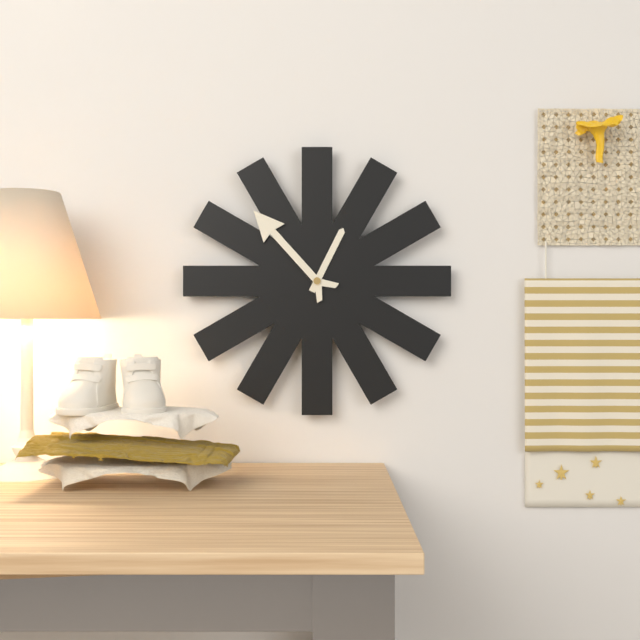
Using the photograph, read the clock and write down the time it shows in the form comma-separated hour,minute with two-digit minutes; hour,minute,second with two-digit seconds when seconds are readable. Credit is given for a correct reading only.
12,53
